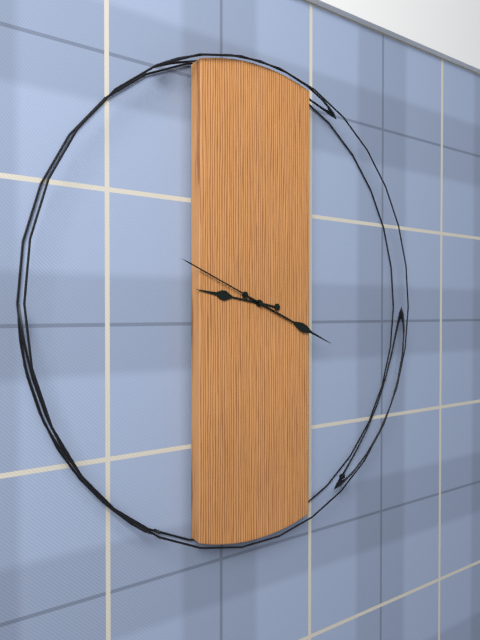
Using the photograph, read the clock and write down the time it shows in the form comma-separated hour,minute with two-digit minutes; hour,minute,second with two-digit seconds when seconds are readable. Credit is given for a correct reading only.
9,19,49
